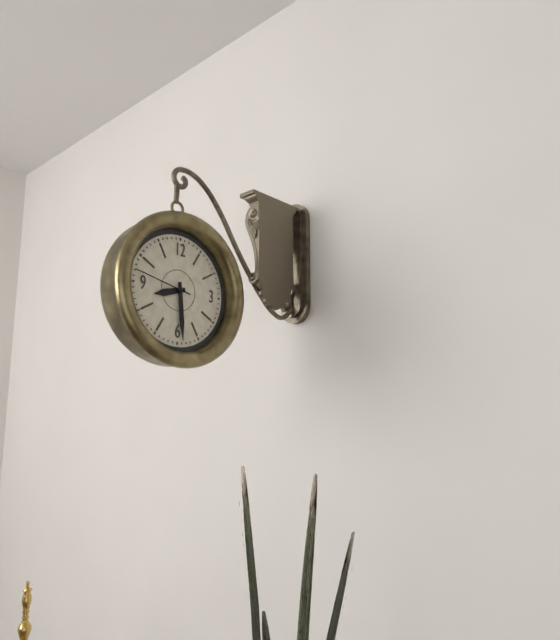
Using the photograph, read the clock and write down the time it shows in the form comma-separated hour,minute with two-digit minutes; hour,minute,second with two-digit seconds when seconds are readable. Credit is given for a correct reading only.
8,29,47
